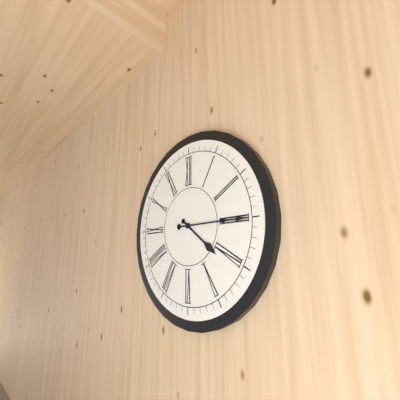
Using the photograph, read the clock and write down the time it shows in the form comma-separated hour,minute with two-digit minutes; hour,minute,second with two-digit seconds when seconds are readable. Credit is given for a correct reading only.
4,15
